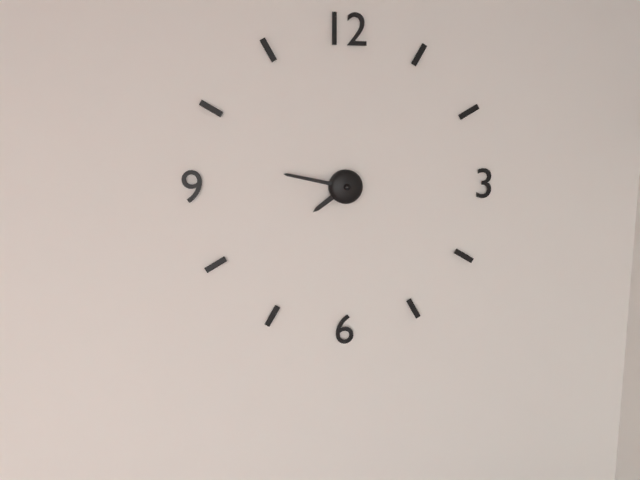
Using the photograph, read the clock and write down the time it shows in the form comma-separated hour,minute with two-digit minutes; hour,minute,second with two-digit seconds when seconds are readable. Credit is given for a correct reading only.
7,47
